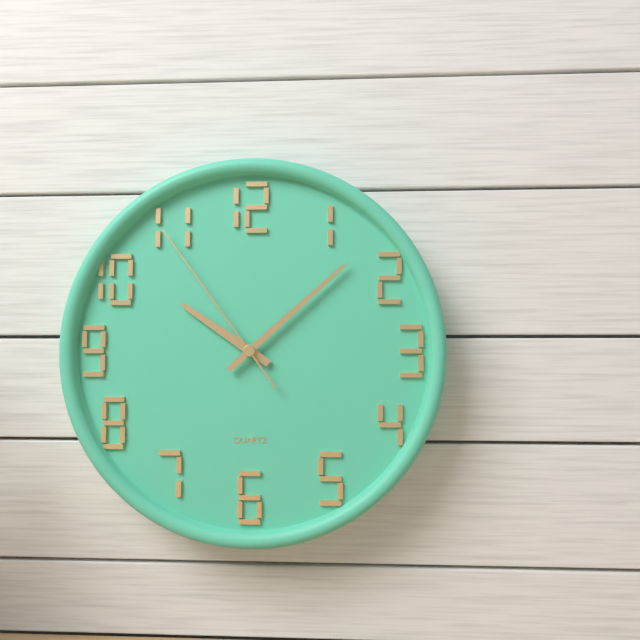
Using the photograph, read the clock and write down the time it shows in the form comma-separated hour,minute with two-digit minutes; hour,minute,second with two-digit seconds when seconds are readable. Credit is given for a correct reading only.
10,08,54
